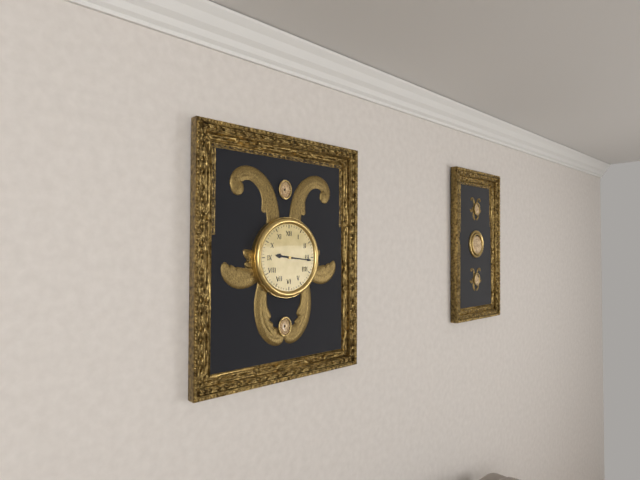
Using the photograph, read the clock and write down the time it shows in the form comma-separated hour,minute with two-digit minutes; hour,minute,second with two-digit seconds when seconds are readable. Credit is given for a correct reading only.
9,16
